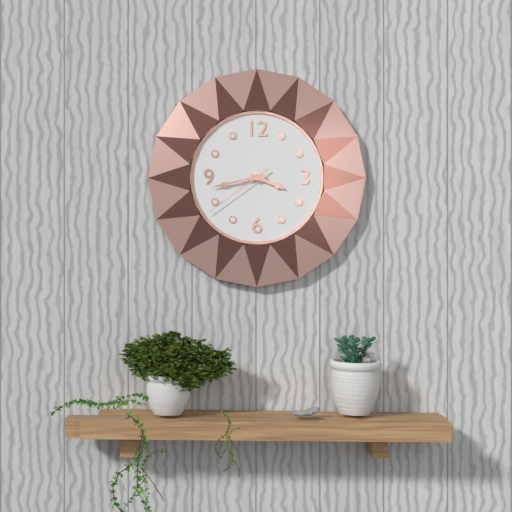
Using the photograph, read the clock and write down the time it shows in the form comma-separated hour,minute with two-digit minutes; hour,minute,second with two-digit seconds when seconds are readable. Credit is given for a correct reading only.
3,43,39
